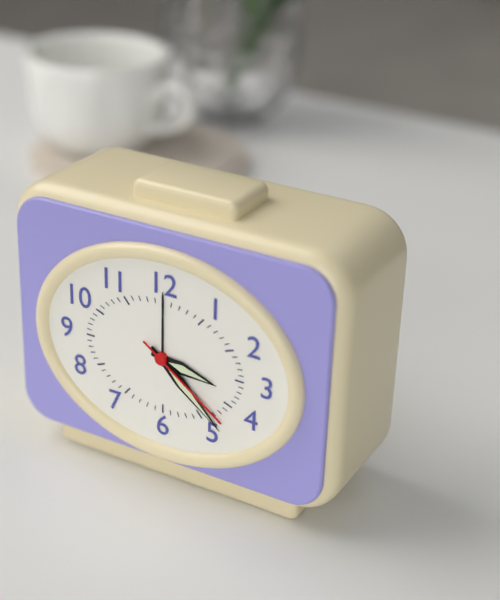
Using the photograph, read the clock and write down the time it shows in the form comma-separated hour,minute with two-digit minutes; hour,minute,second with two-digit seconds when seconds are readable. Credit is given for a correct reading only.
3,22,21
